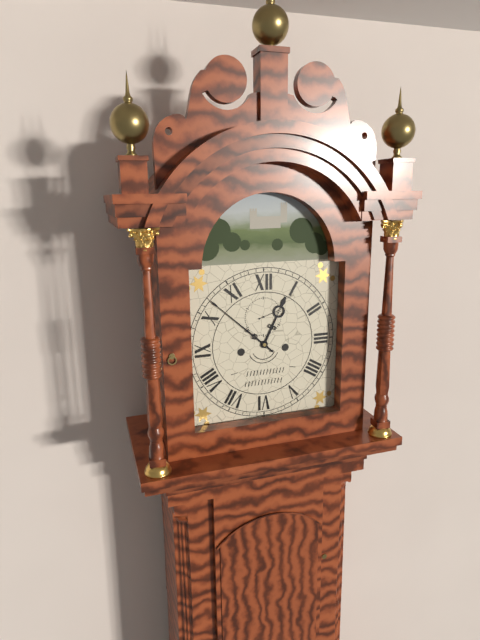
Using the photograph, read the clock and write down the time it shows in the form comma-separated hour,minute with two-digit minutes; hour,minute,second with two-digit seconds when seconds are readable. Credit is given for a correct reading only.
12,52
